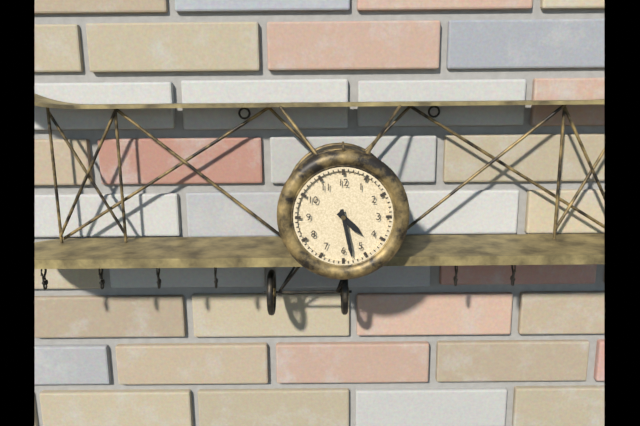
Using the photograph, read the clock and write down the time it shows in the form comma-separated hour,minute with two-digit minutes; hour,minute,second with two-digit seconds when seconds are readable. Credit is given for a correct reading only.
4,28
